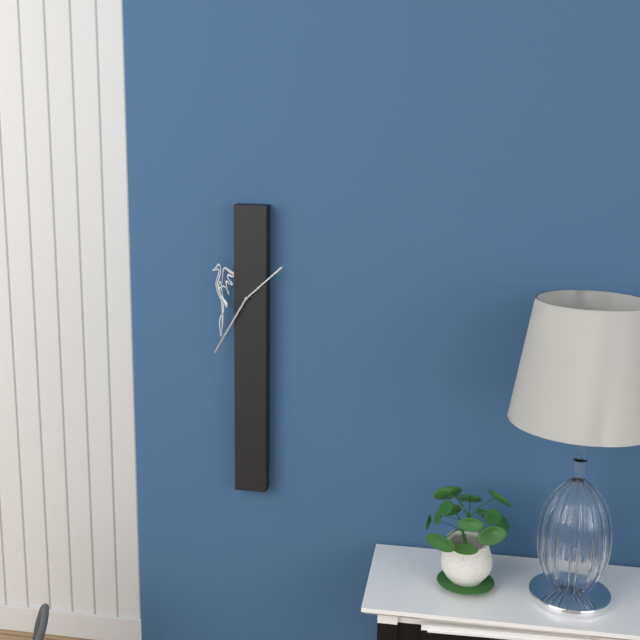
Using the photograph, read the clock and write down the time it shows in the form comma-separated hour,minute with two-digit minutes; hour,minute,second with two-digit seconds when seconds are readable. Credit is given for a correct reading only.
1,35
